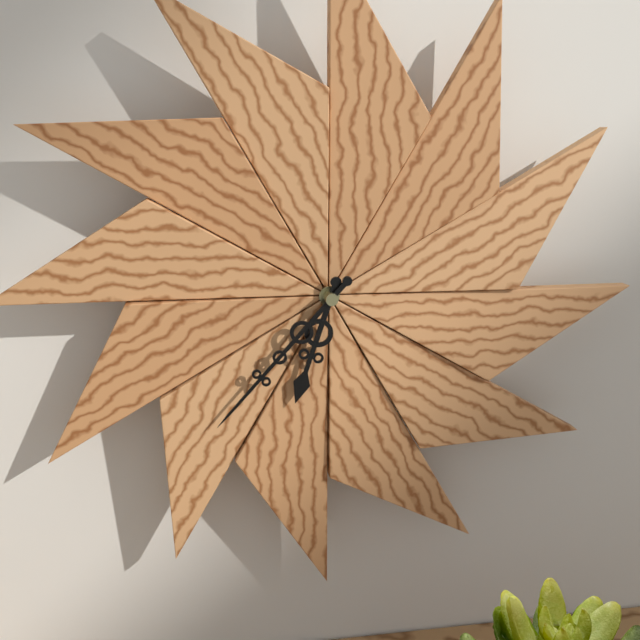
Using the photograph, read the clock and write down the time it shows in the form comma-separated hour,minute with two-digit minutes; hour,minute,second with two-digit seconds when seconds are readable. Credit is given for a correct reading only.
6,37
